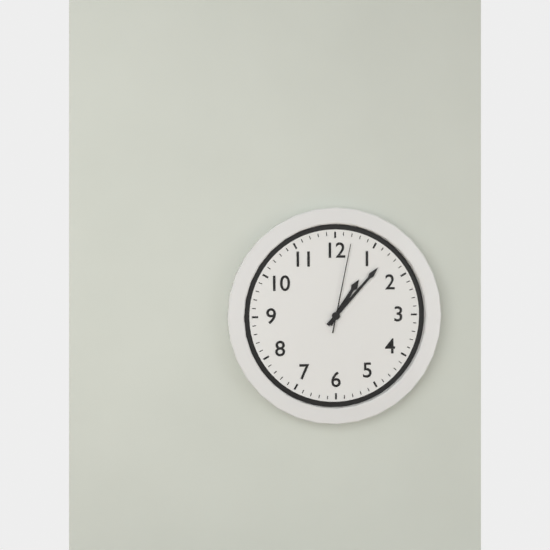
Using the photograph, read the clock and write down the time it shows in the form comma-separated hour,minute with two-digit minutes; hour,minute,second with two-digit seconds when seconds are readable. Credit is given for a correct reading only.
1,07,02
